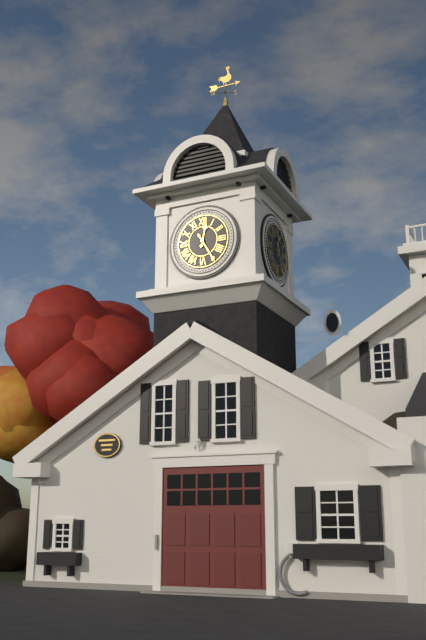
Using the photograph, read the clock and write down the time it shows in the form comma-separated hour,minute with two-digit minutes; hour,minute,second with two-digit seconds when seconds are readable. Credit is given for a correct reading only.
12,25
